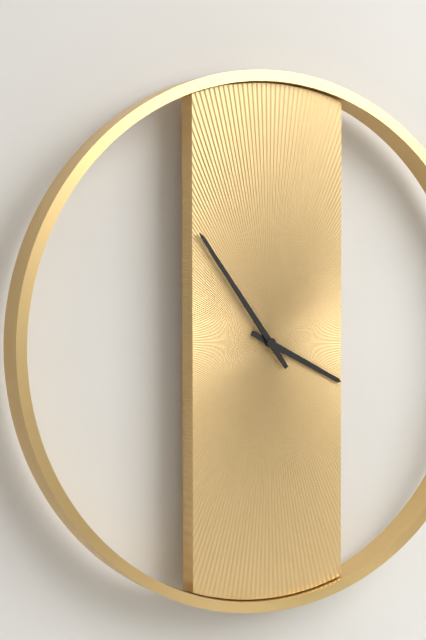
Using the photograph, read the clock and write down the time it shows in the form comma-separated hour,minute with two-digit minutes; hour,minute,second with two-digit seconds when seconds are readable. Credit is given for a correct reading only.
3,54
